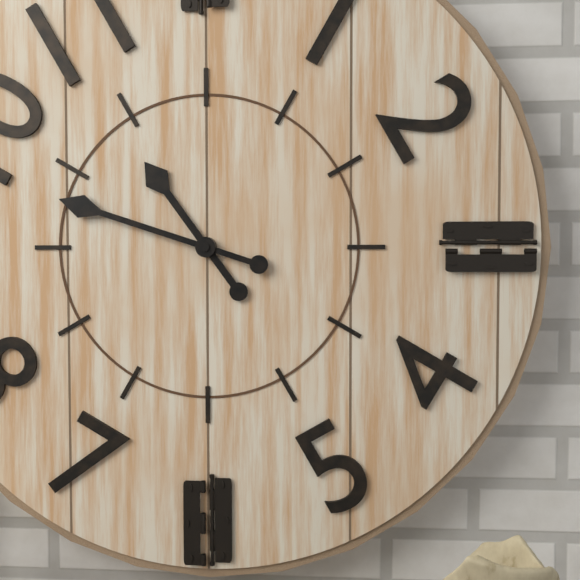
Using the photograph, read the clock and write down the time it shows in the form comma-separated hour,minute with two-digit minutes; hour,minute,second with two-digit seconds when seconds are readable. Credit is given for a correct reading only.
10,48
